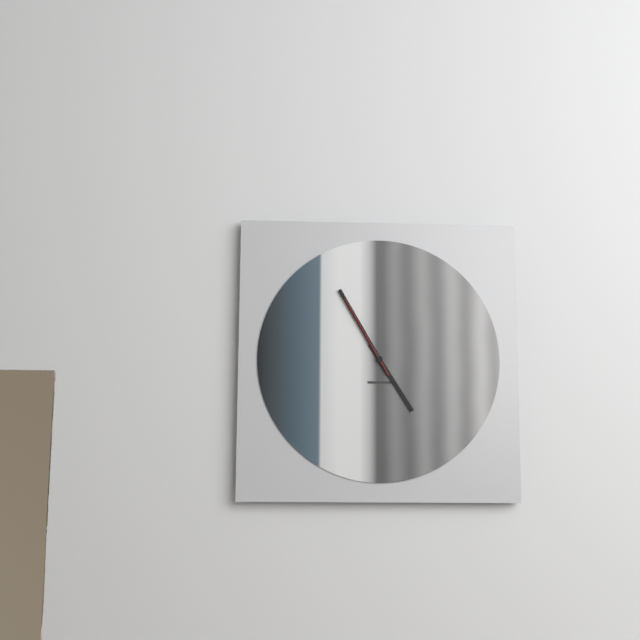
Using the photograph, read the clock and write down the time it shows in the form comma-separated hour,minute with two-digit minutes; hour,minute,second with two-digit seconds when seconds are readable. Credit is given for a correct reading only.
4,55,55
